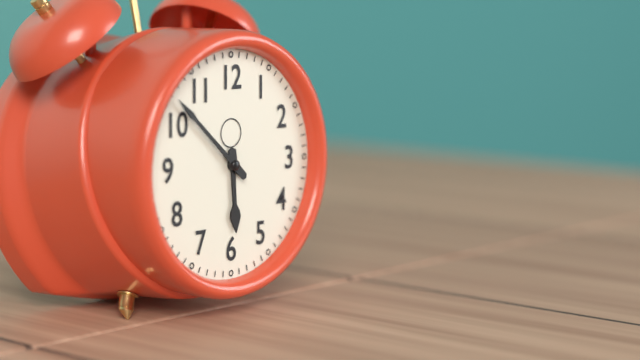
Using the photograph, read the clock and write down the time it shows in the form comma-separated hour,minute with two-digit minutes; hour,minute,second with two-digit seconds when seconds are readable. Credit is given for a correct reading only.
5,52
